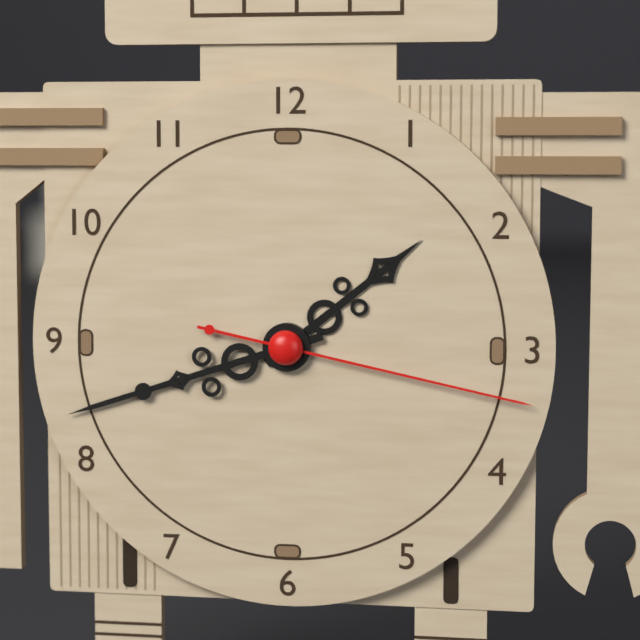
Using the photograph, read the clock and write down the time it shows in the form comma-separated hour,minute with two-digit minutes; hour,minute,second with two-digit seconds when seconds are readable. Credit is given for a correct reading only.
1,42,17
